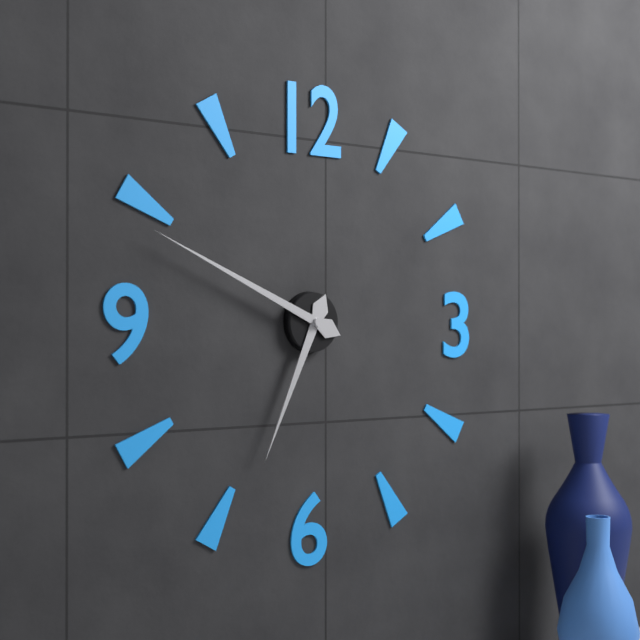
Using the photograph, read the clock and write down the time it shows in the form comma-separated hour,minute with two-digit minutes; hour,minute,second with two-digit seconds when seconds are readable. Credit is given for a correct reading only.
6,49
